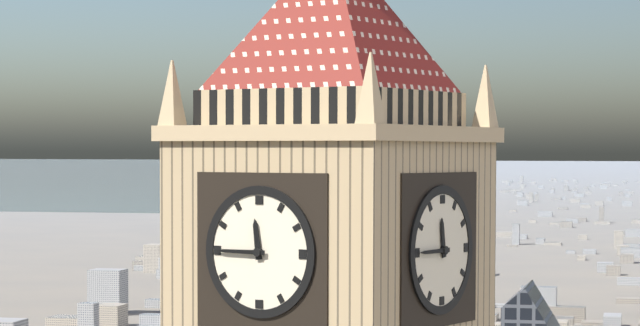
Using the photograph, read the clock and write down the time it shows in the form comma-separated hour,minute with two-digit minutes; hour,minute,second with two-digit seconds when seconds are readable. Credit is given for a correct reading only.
11,45
